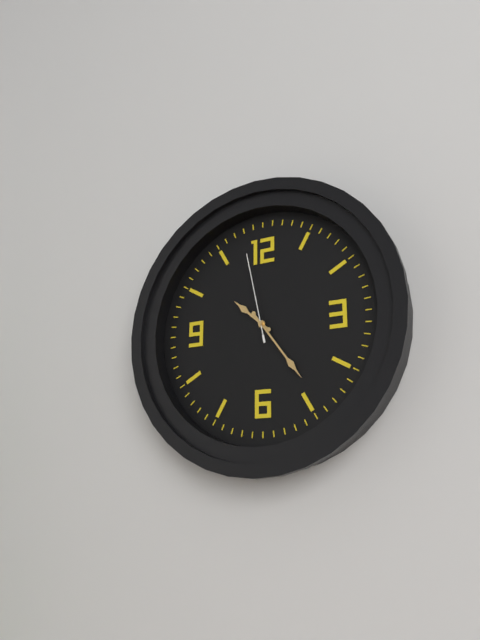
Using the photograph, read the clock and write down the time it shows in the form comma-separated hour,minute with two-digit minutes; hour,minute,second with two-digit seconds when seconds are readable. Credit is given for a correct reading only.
10,24,58
